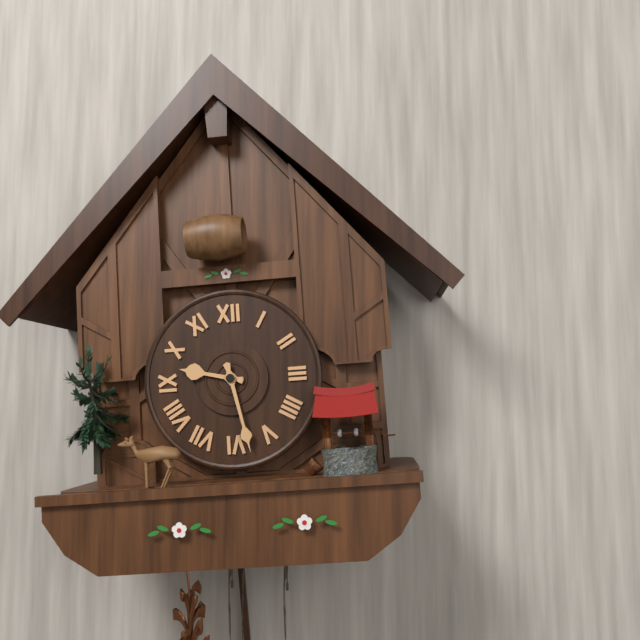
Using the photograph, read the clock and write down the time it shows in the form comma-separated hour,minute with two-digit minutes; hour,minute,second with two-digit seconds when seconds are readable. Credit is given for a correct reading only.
9,28
